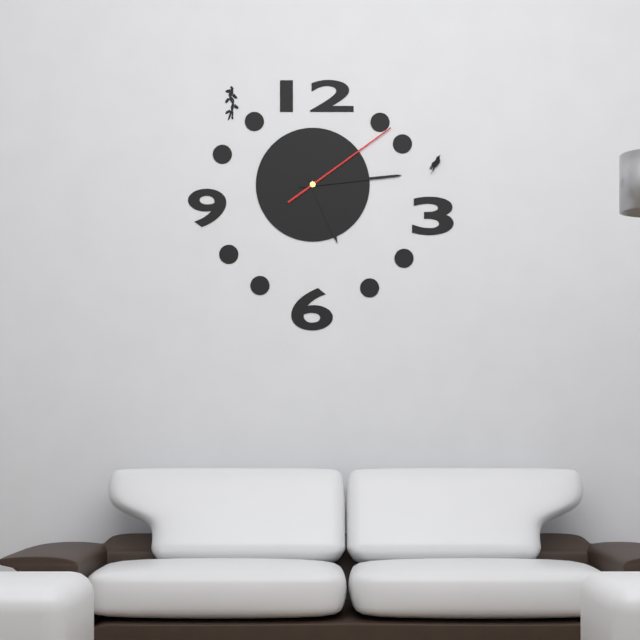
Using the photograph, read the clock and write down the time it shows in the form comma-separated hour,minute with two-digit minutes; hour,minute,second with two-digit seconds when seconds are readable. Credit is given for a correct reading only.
5,14,09
